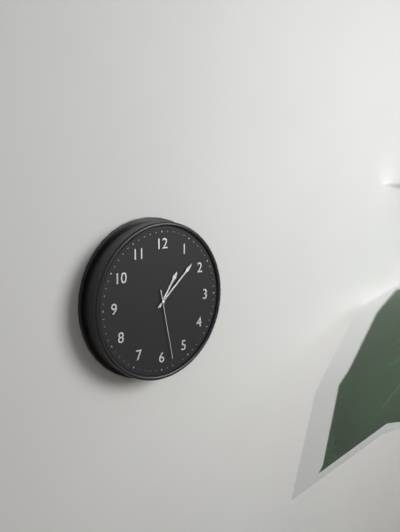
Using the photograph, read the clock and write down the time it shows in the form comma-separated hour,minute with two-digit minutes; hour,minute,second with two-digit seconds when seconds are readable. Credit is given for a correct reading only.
1,08,28
